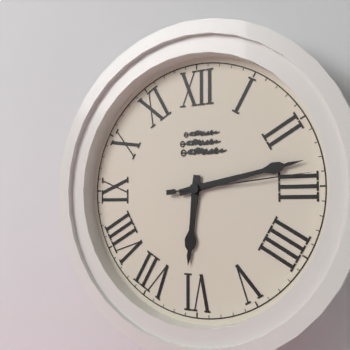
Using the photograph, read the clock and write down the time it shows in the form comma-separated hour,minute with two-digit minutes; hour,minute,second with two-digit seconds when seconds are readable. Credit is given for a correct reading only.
6,13,14
